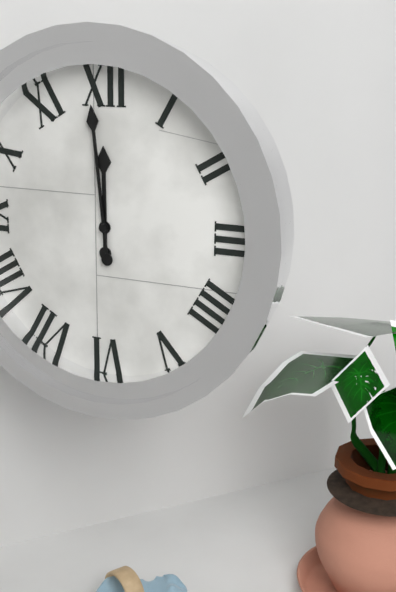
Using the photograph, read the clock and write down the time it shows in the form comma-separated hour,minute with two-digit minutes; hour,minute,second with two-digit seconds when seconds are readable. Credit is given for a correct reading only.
11,59
